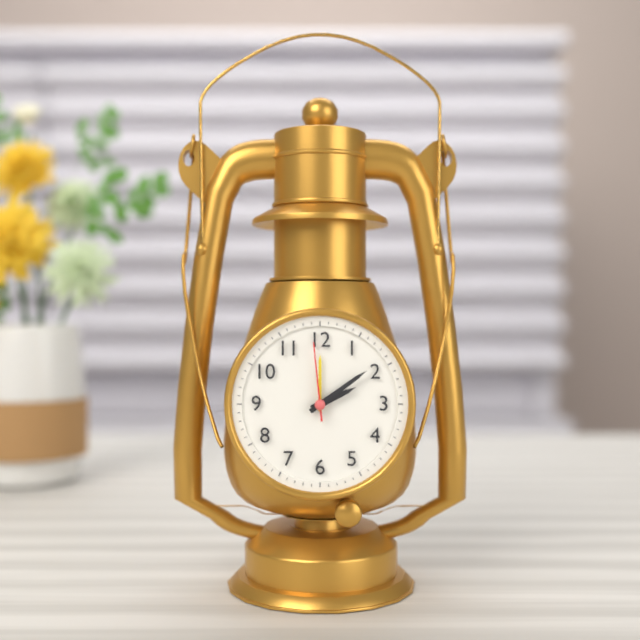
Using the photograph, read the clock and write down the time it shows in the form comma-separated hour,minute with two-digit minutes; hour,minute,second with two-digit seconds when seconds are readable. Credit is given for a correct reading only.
2,09,59
